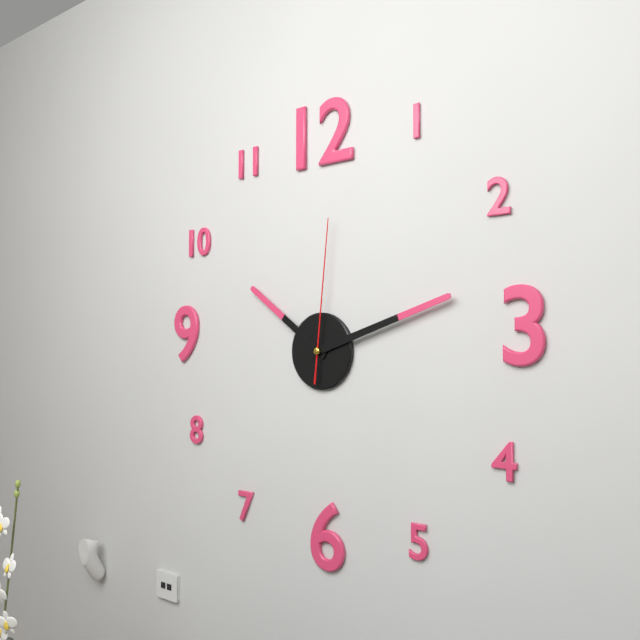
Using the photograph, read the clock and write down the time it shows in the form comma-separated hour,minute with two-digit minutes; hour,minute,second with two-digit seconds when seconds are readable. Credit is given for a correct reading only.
10,12,01
